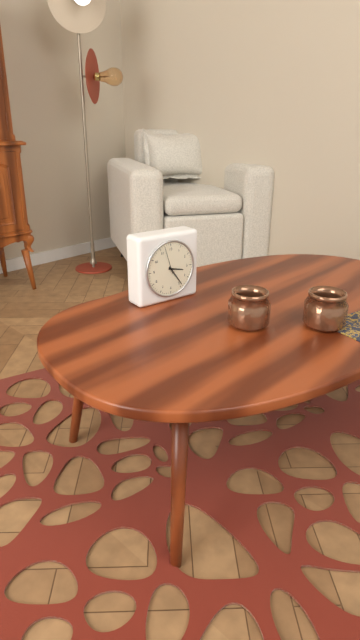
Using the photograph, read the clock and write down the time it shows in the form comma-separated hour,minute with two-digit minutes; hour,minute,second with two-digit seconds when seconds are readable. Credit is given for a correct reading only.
3,24
